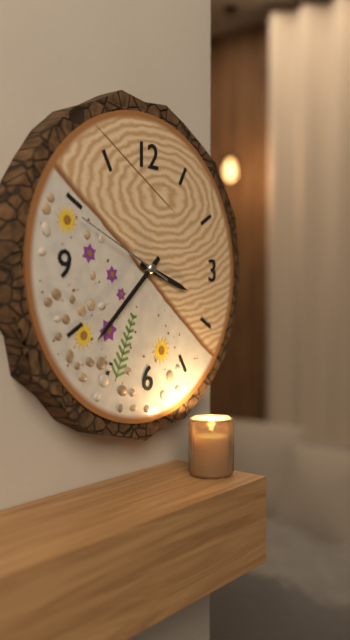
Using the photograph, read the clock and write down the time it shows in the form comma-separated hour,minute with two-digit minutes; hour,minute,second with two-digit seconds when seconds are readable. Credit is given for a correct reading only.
3,38,49
